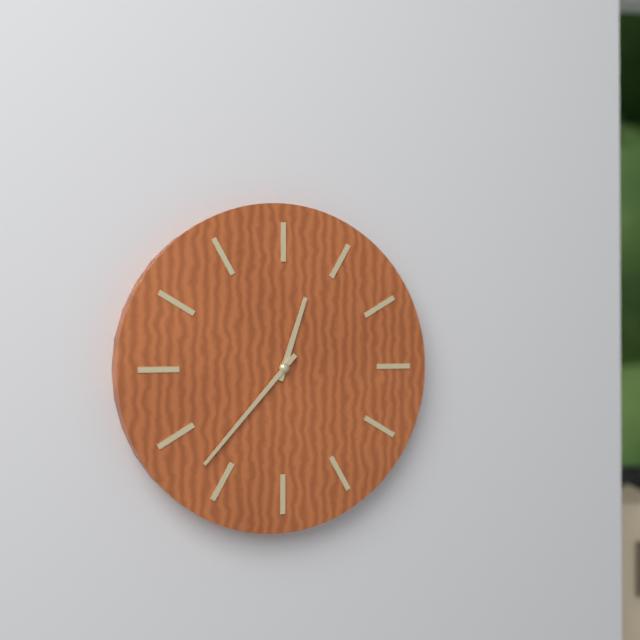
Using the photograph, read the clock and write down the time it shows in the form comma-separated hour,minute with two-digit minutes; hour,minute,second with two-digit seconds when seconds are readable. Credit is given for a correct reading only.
12,37
